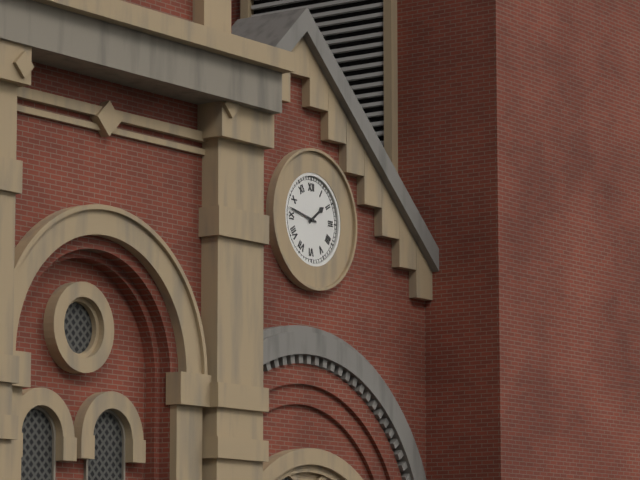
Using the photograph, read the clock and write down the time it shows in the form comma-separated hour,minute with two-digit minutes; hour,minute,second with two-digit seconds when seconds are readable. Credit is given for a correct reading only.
1,47
